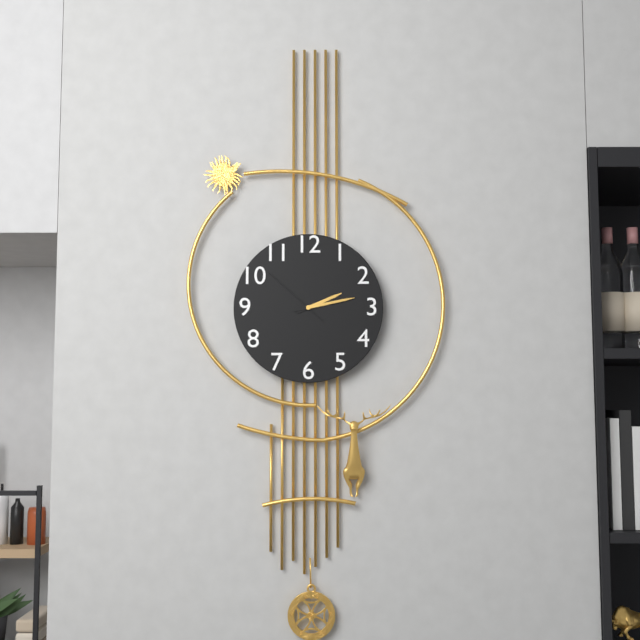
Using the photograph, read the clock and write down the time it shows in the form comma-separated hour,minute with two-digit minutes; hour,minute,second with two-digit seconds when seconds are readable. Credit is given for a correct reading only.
2,13,52
